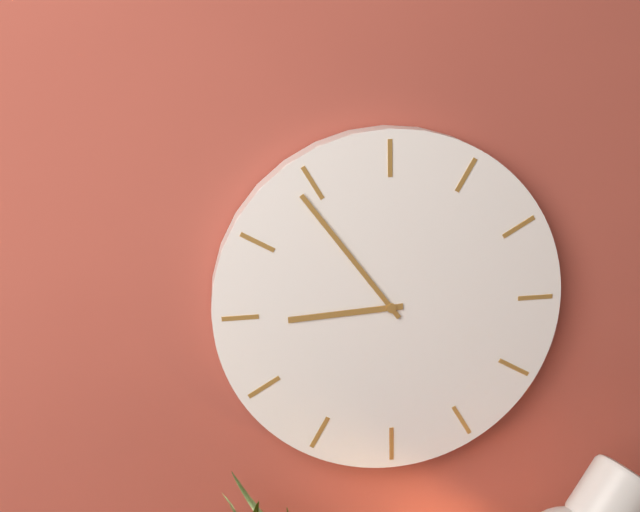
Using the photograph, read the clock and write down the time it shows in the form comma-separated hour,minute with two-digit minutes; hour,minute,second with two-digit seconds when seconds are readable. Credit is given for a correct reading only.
8,54
